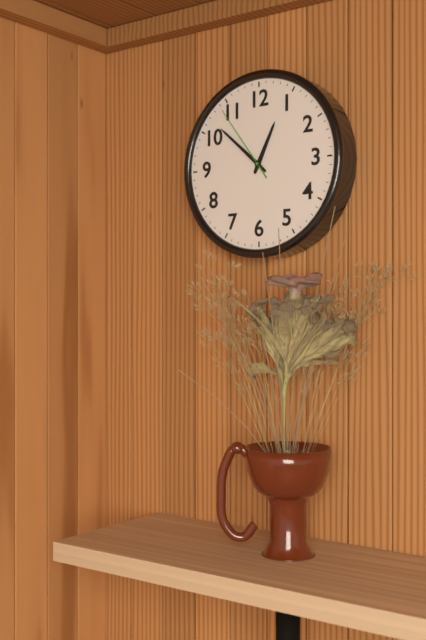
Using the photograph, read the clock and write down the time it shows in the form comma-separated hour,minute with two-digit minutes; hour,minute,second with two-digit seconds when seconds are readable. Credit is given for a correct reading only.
12,52,54
